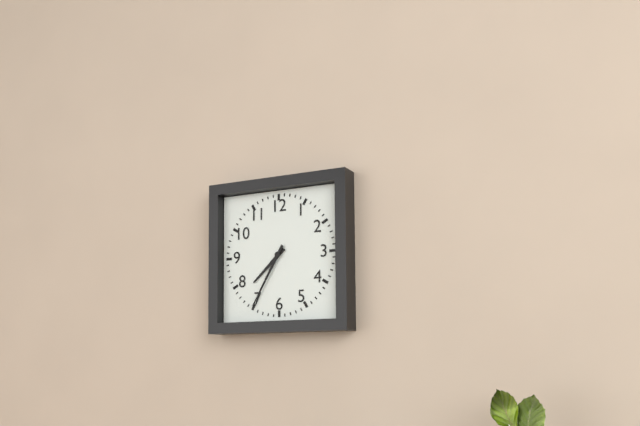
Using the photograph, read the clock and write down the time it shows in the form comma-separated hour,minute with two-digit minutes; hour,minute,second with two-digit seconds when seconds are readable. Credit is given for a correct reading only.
7,35
